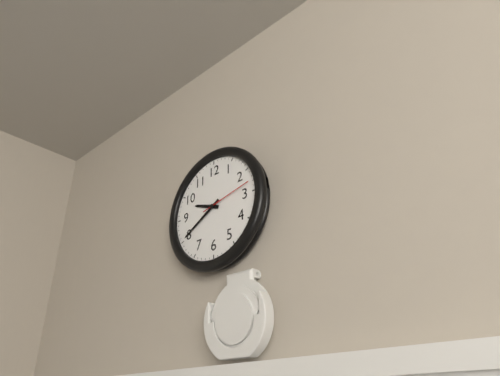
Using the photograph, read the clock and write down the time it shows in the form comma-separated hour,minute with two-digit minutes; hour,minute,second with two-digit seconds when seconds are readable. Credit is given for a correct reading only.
9,40,13
